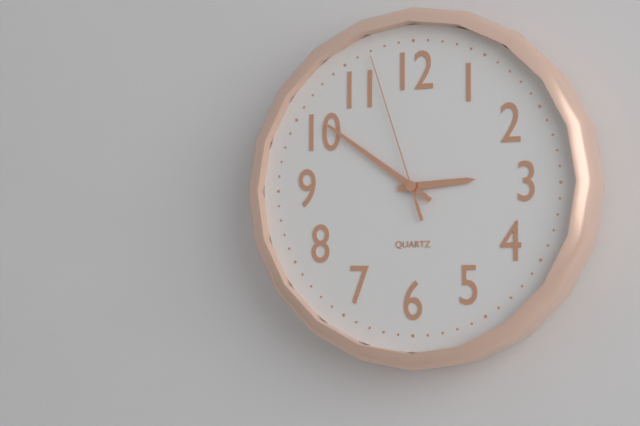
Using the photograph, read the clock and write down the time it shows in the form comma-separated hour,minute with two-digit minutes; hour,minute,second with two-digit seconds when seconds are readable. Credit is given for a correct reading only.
2,51,57
